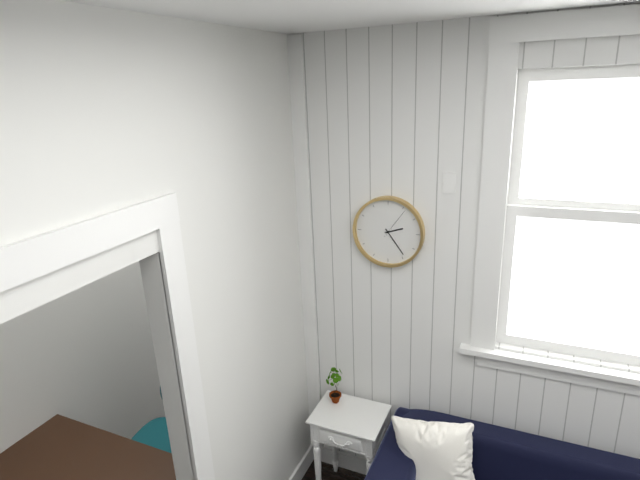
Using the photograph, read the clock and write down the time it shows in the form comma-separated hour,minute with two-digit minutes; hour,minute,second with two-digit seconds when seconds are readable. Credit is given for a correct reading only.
2,24
